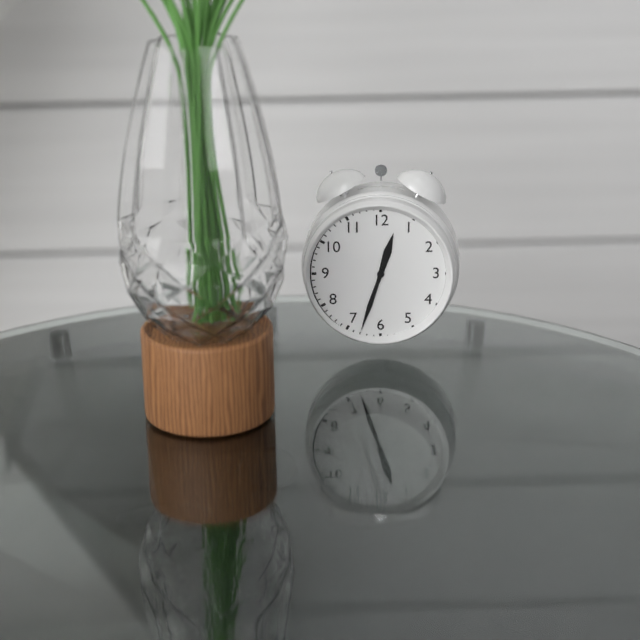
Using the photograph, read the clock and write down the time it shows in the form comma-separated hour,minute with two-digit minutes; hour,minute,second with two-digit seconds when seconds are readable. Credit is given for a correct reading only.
12,33
